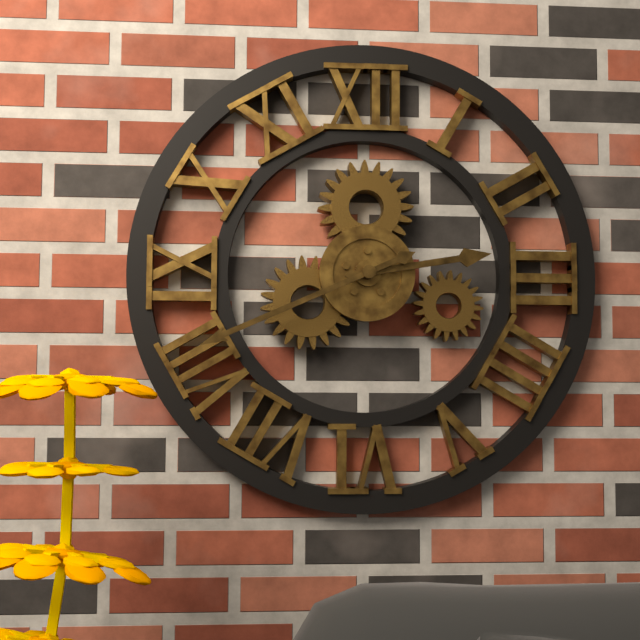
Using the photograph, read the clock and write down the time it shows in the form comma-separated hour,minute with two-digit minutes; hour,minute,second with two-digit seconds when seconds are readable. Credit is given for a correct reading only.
2,41
